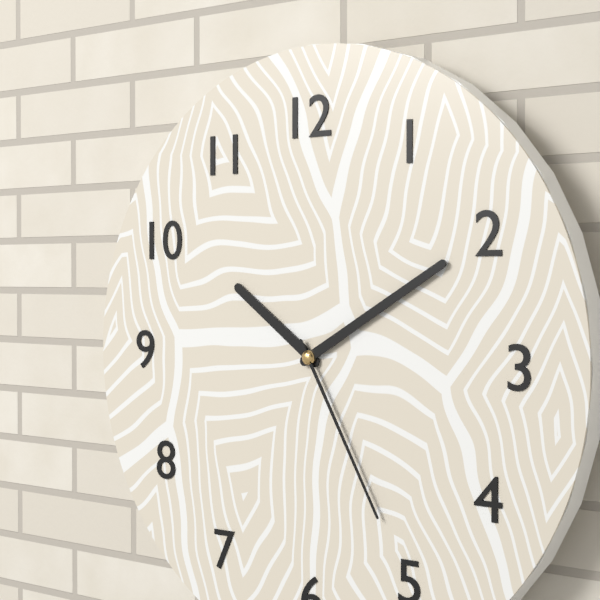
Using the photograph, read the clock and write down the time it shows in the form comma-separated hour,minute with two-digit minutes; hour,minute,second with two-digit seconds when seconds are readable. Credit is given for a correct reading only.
10,10,25
